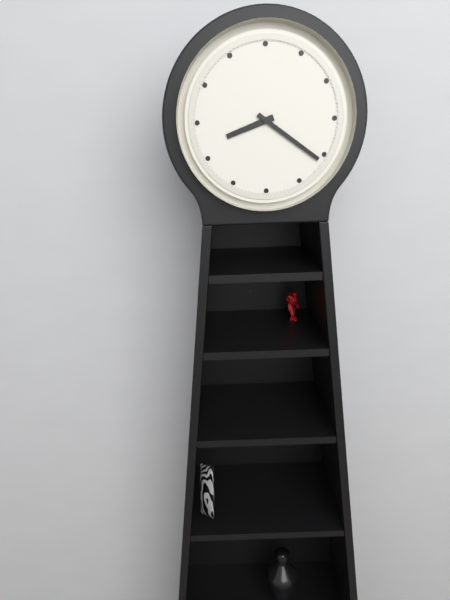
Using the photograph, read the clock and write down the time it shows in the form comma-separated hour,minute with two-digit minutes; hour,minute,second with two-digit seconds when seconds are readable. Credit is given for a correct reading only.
8,21
